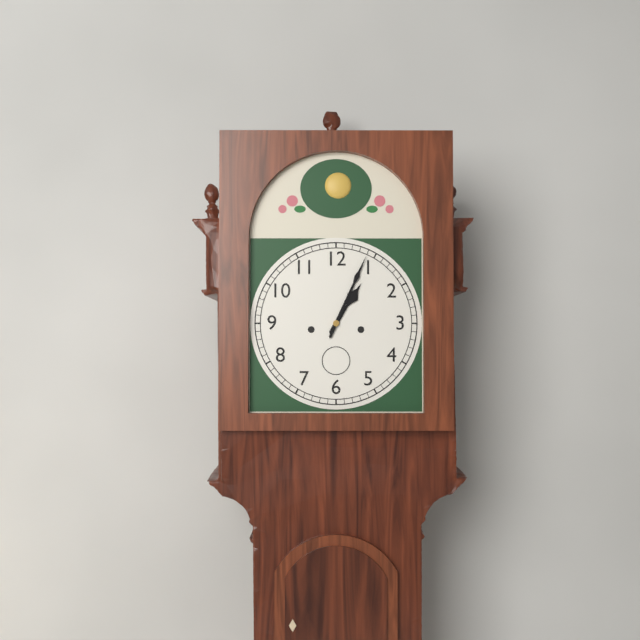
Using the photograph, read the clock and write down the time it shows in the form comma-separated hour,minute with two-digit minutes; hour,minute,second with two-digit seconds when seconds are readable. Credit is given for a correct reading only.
1,04
